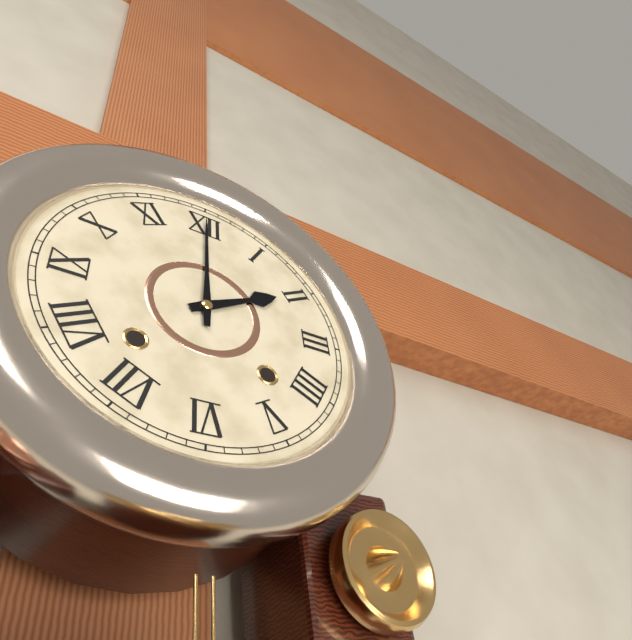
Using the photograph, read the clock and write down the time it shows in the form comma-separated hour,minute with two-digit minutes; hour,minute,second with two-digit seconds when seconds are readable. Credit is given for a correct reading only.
2,00
